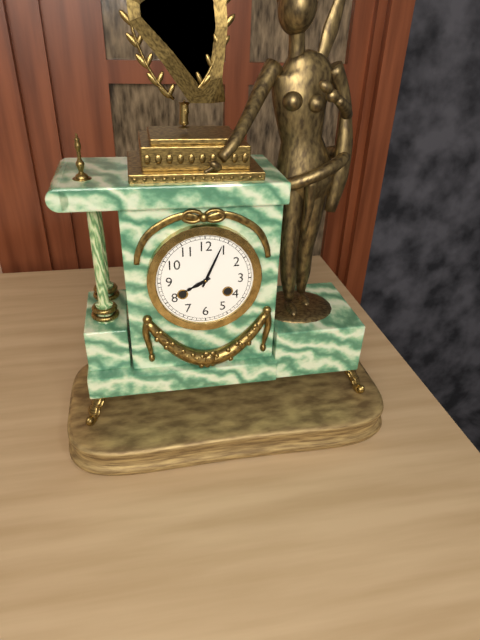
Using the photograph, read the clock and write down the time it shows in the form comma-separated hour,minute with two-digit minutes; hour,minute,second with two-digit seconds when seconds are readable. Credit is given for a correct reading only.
8,04
